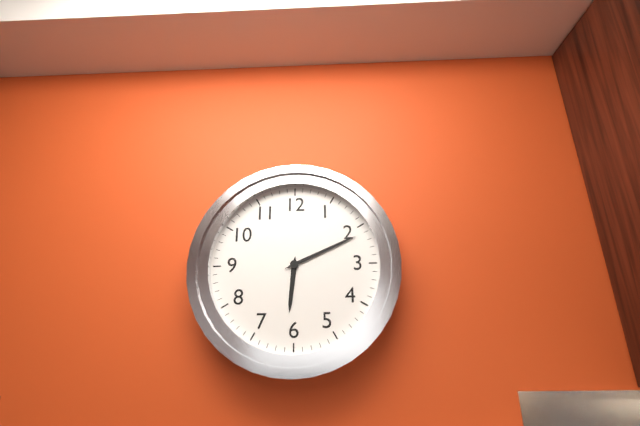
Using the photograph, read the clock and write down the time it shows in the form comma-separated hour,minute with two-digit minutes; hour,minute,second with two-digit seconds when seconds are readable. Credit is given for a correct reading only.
6,11
